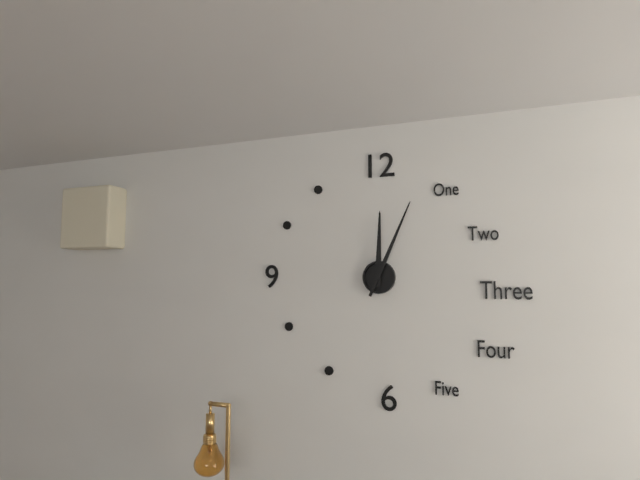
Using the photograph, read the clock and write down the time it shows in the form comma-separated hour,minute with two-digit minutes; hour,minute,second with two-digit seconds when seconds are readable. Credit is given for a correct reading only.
12,04
